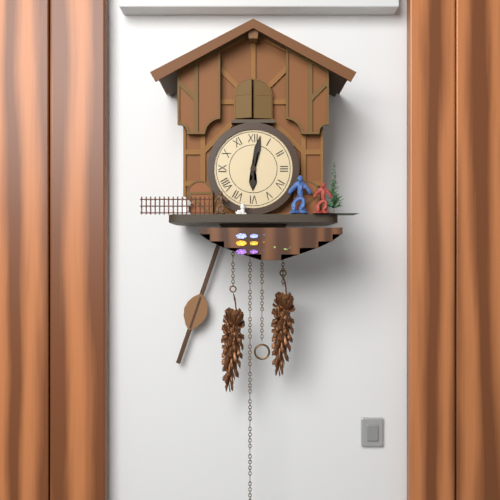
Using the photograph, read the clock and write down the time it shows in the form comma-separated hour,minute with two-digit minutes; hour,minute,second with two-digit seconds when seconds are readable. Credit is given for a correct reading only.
6,02
